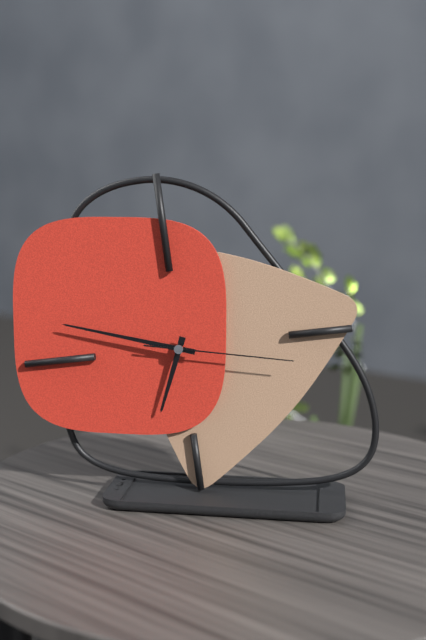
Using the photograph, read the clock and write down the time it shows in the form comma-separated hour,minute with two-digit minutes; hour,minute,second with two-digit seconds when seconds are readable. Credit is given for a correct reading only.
6,48,17
